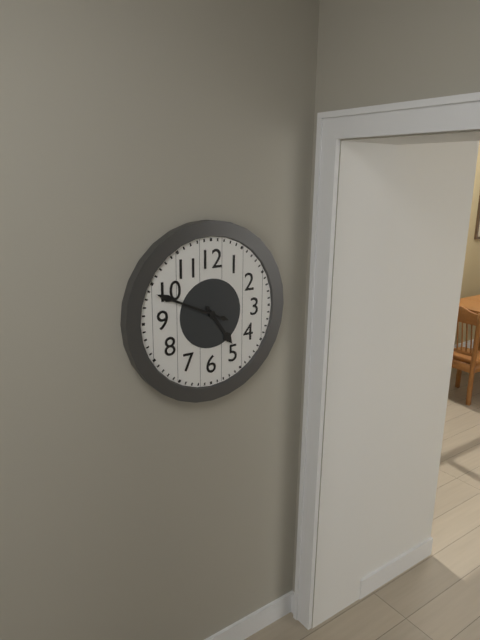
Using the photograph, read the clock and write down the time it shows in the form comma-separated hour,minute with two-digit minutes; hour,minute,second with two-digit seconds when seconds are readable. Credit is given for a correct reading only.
4,49
